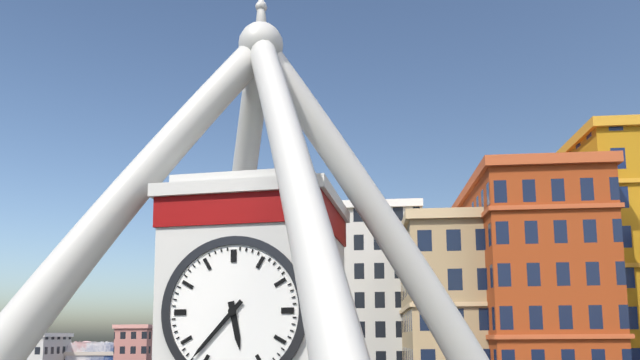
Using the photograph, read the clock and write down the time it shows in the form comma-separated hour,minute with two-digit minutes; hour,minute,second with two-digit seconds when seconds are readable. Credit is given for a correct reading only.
5,37
